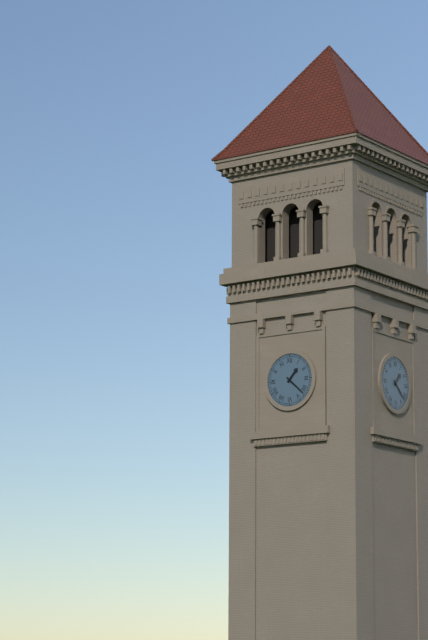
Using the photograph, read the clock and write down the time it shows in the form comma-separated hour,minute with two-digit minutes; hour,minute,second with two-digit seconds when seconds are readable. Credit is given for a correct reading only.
1,22
